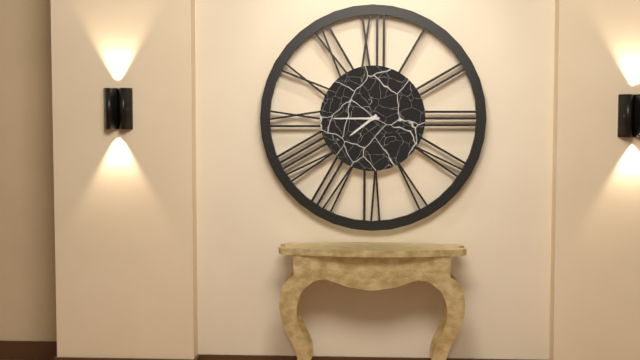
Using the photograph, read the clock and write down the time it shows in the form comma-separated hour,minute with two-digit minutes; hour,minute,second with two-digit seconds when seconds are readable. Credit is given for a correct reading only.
7,45
